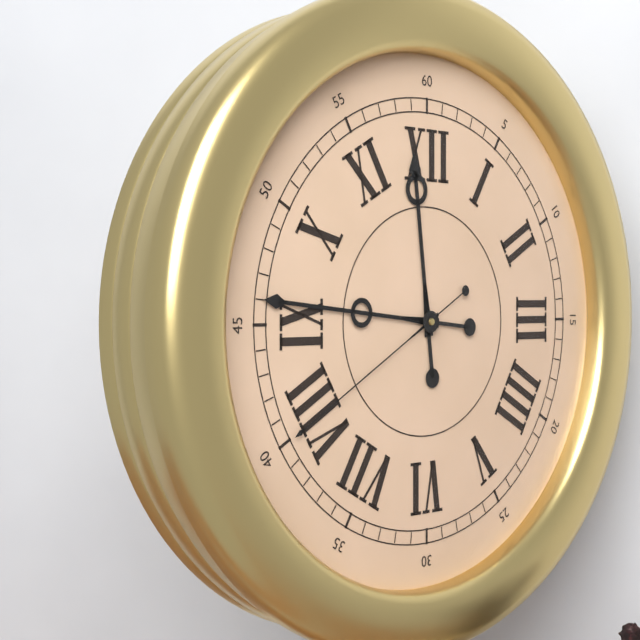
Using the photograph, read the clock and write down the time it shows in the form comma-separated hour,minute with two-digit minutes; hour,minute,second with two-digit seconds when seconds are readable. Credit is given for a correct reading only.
11,46,40
